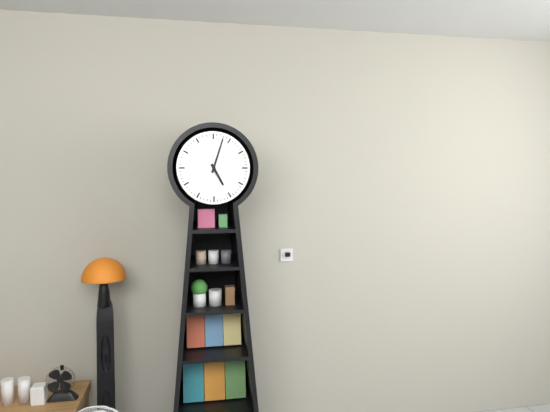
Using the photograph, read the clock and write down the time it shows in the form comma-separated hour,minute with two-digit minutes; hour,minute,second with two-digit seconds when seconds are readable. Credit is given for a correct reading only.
5,03
